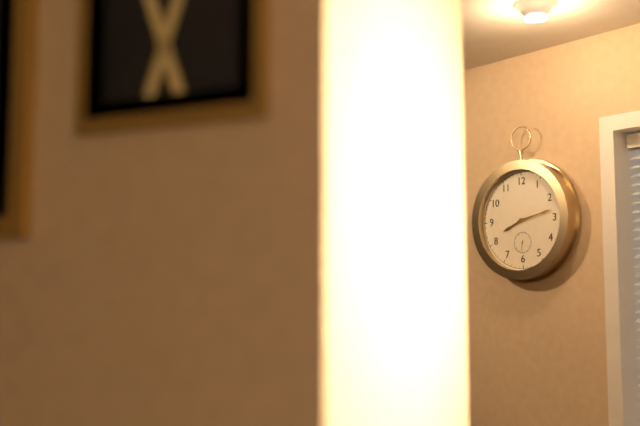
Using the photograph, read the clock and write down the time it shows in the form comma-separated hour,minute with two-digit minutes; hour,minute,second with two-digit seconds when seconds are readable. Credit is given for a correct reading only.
8,13
